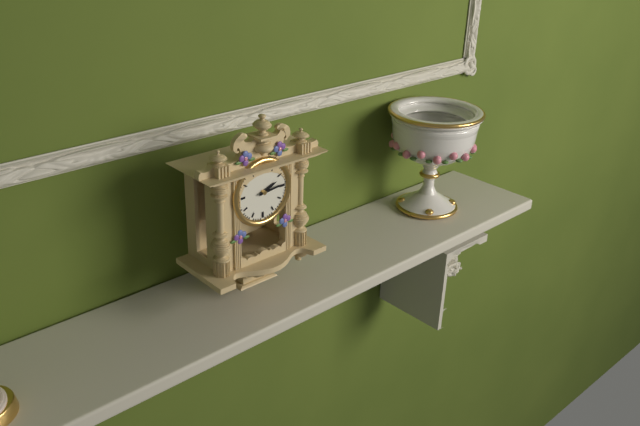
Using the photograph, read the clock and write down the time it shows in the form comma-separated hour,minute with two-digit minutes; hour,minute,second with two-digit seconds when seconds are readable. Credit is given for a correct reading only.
2,14
